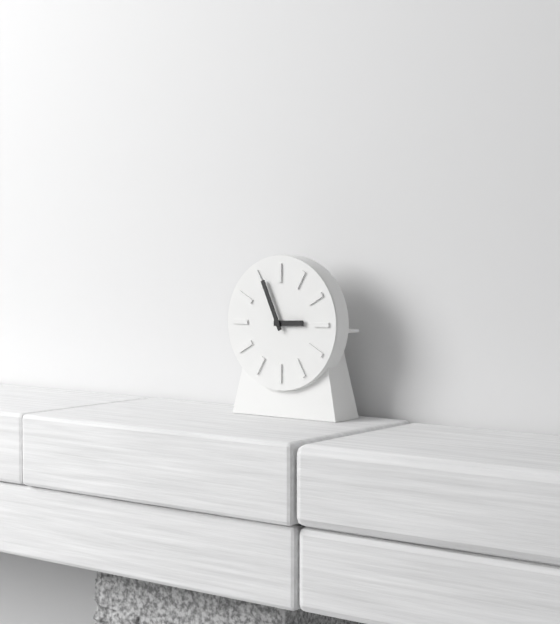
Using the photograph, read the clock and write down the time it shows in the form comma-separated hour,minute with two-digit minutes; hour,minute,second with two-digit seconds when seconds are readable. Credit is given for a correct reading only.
2,56
